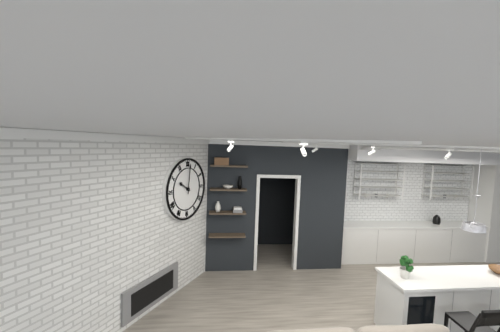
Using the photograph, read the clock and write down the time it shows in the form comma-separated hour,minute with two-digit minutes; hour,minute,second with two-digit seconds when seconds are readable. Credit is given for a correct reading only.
10,01
